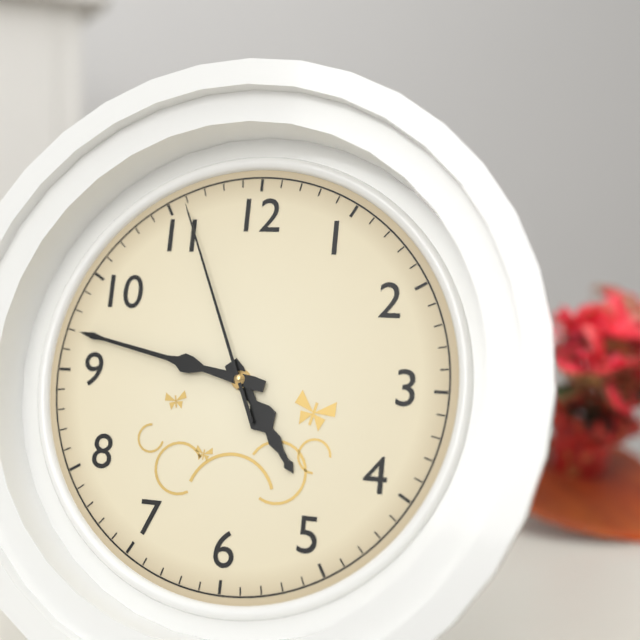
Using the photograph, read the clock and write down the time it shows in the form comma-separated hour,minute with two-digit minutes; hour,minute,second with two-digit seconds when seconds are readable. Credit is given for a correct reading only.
4,47,56
